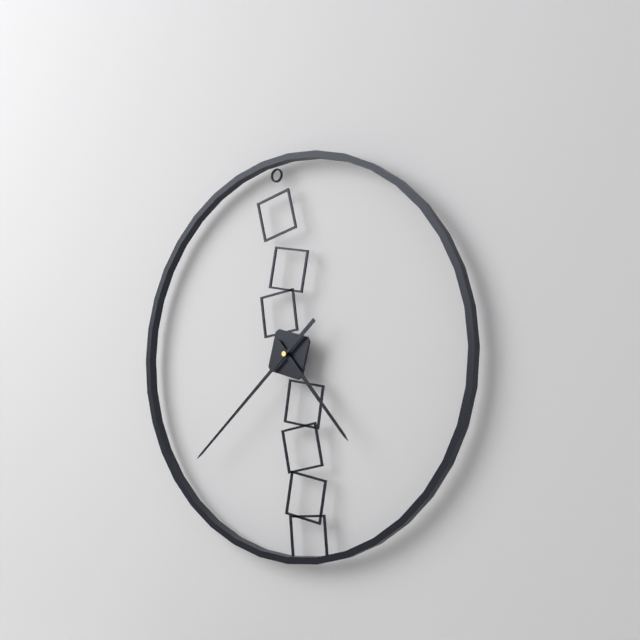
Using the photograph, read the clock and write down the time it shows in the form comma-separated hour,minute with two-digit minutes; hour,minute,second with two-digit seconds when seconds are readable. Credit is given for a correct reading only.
4,38
